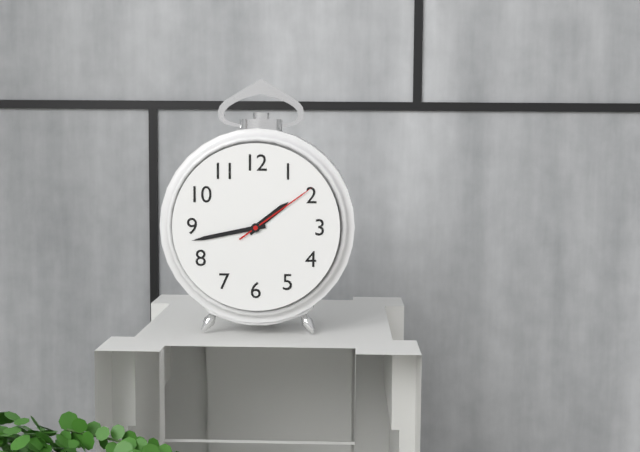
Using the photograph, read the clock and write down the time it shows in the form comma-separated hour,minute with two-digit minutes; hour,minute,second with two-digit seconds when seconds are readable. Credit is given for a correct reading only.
1,43,09
